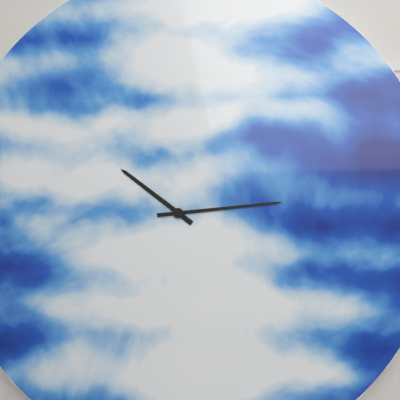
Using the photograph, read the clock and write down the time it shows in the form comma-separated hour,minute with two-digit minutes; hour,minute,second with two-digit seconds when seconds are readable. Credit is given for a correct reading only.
10,14
